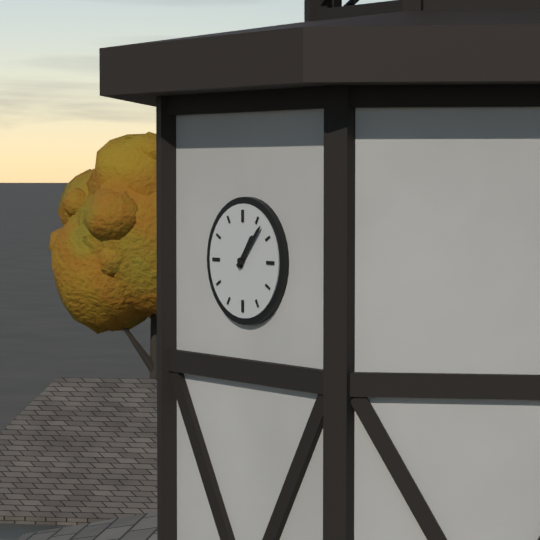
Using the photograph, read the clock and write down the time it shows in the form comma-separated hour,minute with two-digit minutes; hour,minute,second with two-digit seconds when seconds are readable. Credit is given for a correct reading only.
1,07
